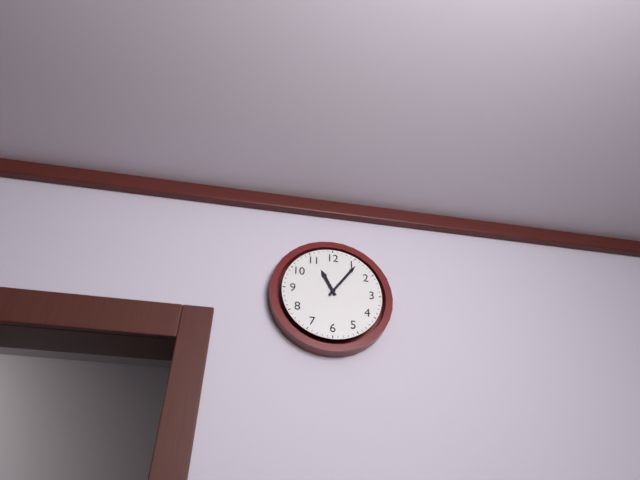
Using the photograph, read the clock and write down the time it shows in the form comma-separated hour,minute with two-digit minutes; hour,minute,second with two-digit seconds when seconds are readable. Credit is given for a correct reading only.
11,06
